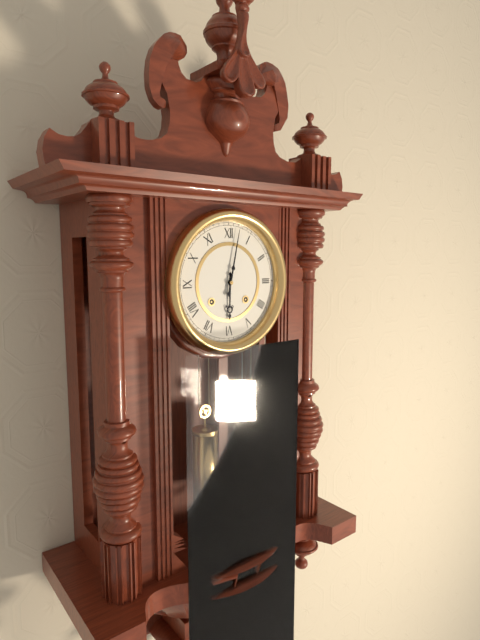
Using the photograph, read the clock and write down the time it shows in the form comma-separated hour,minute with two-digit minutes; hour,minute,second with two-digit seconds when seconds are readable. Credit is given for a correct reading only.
6,02
